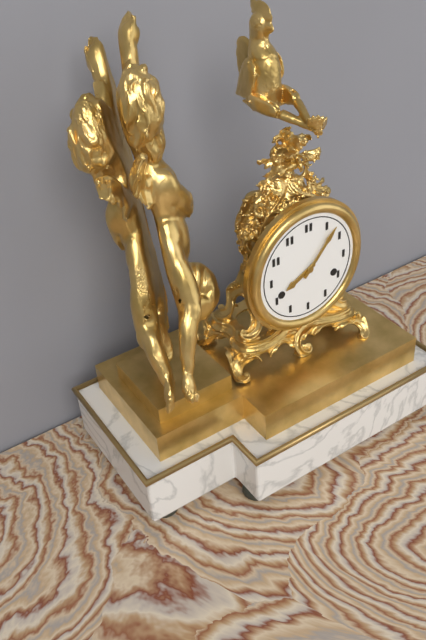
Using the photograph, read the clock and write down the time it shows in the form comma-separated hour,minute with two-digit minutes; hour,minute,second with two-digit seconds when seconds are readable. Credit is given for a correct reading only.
8,07
